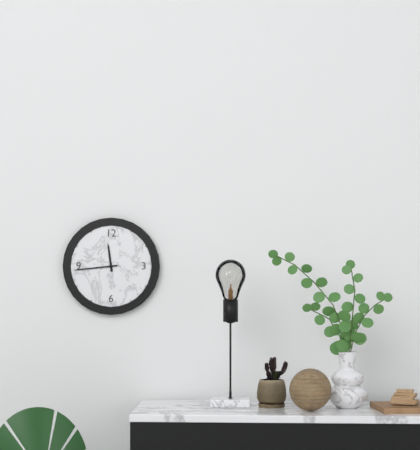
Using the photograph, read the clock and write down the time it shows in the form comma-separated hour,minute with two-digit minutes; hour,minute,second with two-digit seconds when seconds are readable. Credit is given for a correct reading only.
11,44
